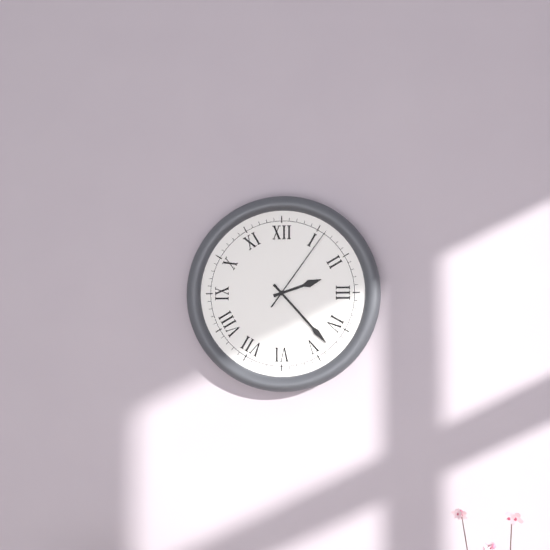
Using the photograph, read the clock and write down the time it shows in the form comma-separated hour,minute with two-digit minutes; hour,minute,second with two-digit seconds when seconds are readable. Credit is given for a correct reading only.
2,23,06
